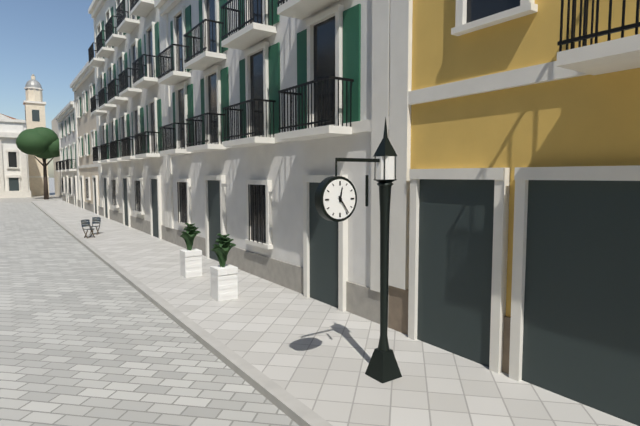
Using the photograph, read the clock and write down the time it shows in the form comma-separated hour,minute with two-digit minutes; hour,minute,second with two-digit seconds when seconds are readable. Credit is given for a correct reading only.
12,24
